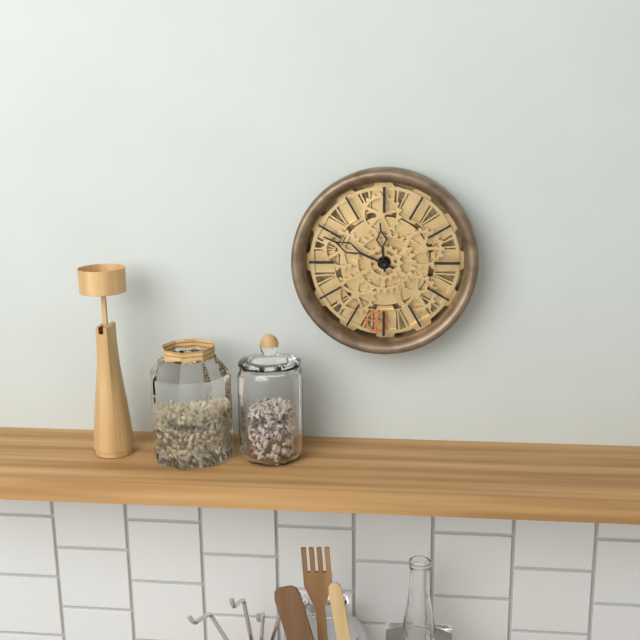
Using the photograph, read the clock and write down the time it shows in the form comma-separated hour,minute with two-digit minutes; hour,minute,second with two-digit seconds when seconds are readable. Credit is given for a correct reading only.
11,49
